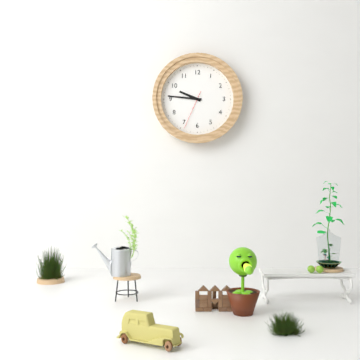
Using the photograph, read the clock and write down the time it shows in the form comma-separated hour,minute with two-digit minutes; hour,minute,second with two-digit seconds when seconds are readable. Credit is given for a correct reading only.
9,46
